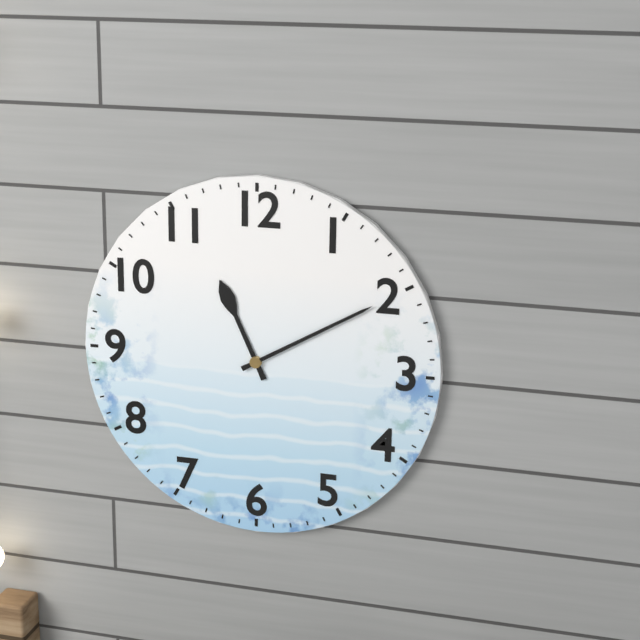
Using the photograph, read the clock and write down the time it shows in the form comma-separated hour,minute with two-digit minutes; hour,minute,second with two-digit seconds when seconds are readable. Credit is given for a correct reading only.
11,10
